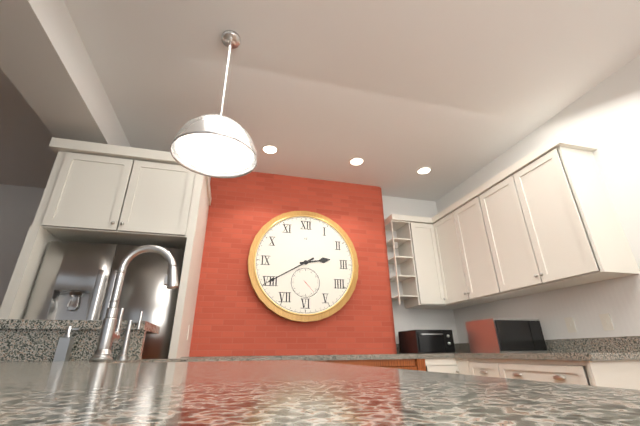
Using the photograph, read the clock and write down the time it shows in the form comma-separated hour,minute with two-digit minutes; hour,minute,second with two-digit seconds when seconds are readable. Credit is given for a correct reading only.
2,40
